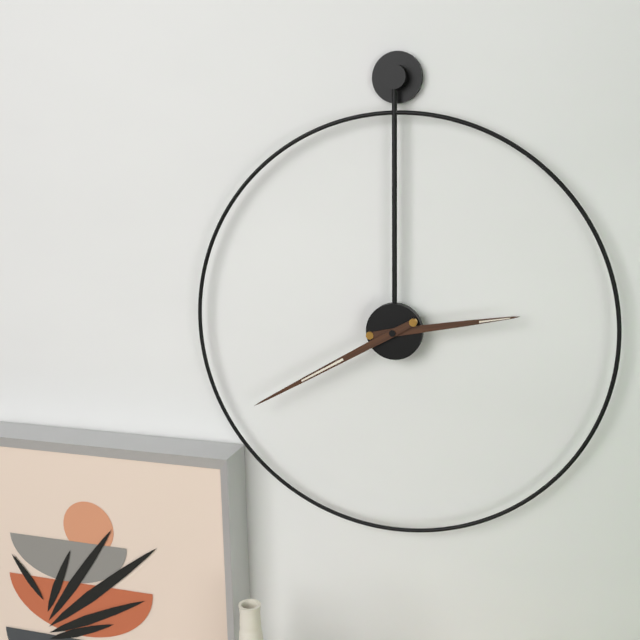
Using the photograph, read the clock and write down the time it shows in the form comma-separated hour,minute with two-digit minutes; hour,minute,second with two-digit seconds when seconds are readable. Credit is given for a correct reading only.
2,40
